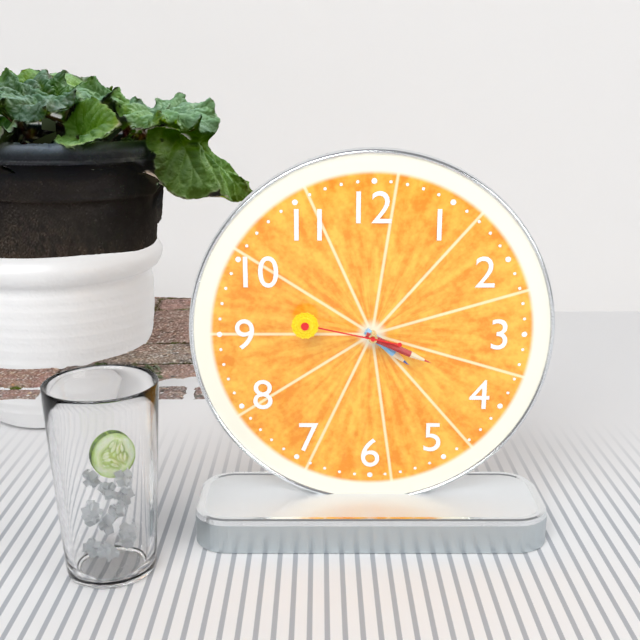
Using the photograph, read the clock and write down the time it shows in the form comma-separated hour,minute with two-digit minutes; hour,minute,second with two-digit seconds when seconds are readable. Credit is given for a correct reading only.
4,19,47
